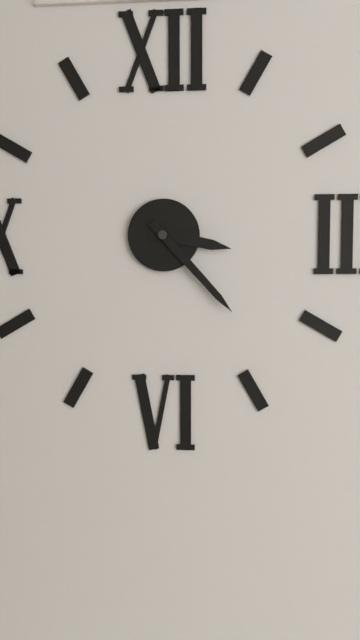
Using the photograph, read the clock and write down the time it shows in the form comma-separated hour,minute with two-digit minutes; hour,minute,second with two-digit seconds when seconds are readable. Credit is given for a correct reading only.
3,23
